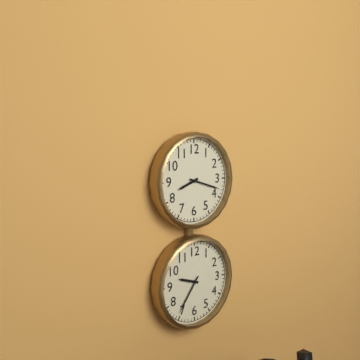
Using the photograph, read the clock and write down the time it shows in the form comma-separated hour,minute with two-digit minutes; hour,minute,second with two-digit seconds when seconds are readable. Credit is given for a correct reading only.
8,18
